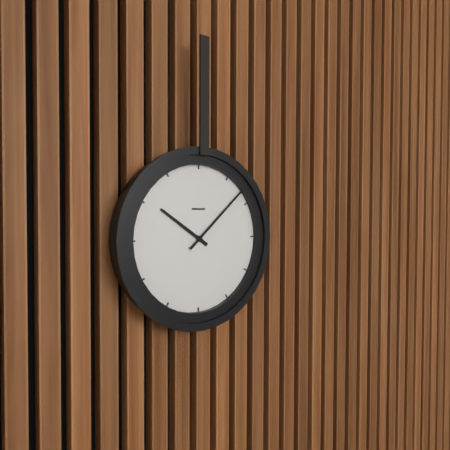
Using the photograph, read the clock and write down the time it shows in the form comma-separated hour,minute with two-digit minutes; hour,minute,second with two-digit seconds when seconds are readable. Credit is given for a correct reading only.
10,08
